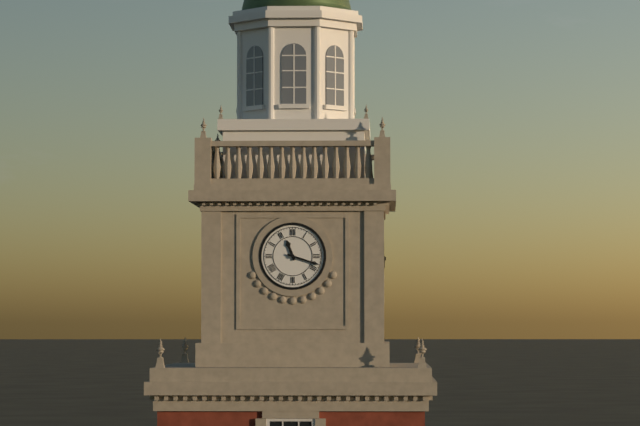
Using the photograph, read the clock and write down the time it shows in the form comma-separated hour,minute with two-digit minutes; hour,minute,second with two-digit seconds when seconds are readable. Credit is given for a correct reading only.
11,18
